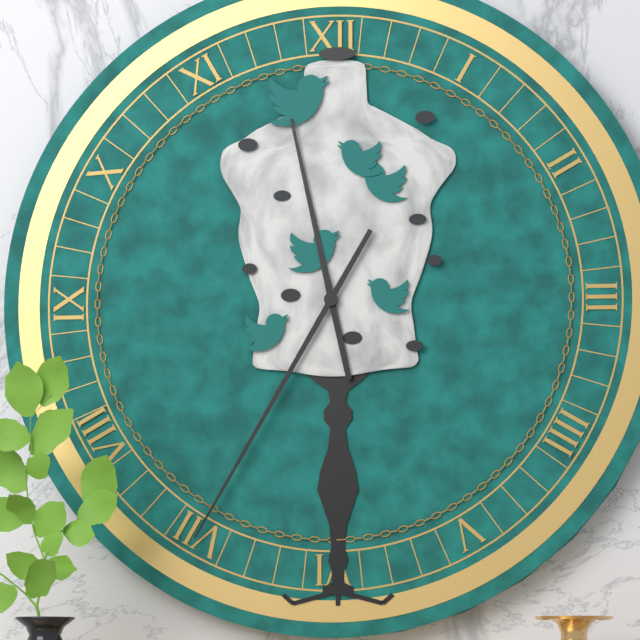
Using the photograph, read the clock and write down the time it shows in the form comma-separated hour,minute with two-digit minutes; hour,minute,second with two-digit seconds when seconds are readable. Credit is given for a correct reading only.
11,35
